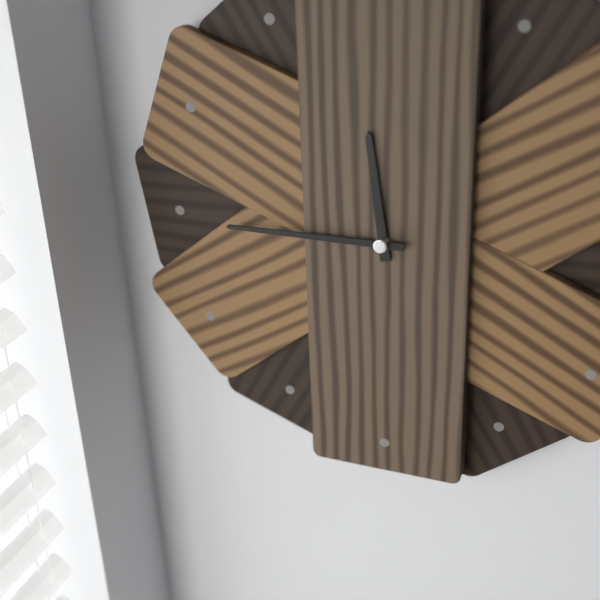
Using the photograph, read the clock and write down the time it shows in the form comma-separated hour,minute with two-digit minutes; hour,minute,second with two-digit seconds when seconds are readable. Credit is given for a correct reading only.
11,45
